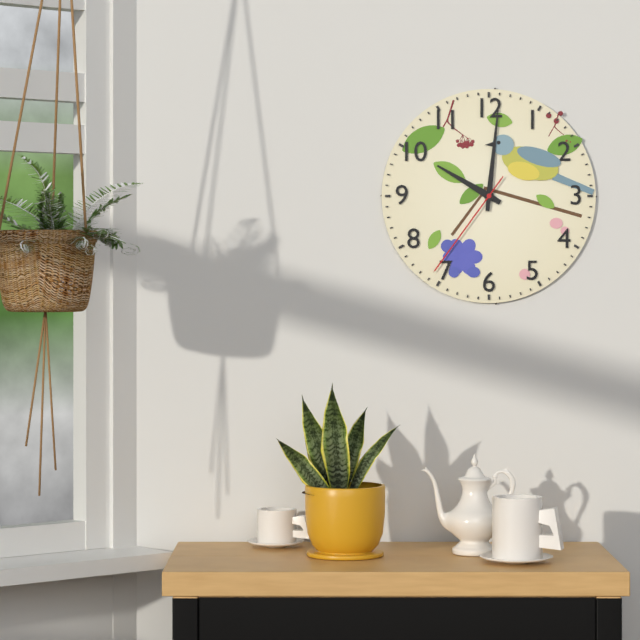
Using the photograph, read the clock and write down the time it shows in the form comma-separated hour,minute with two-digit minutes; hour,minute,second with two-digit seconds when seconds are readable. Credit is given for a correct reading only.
10,01,36
